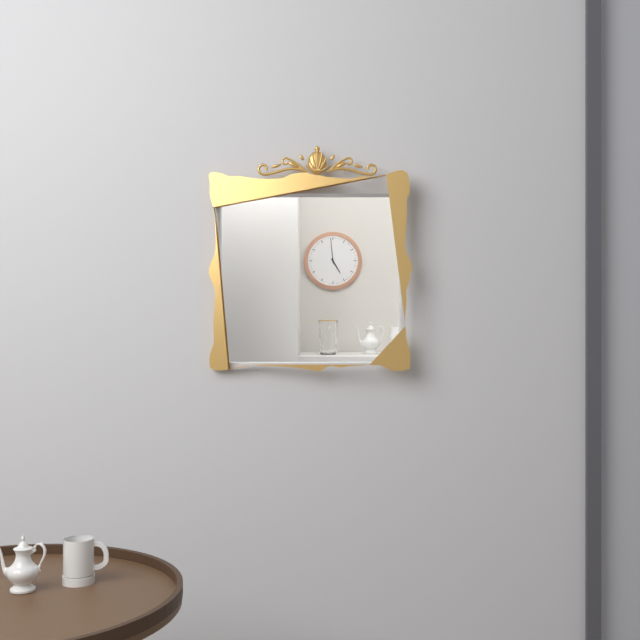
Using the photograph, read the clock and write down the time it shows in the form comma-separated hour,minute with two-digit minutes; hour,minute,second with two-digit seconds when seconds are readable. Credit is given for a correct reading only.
4,59
